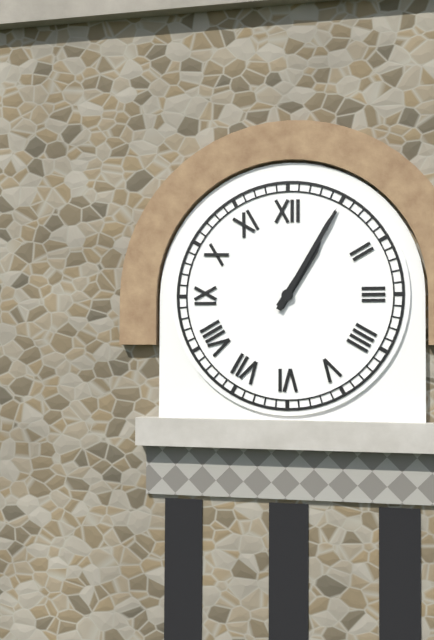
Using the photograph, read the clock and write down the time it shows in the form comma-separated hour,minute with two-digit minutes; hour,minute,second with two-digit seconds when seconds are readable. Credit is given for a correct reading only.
1,05
